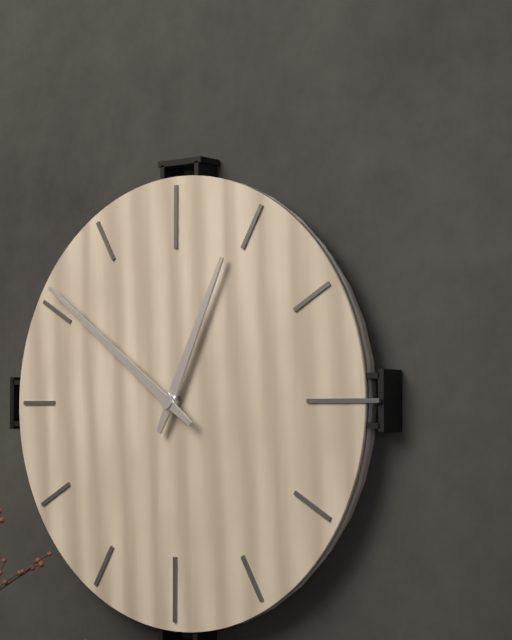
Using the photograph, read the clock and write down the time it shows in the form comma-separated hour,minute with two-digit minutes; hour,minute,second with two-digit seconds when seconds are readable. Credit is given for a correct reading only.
12,51
